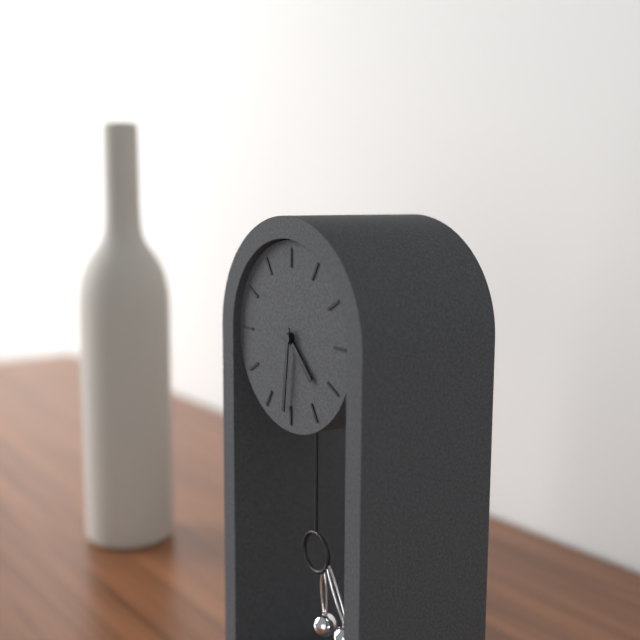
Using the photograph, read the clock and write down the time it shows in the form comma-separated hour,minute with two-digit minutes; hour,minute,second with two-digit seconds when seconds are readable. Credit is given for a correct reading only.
4,31
